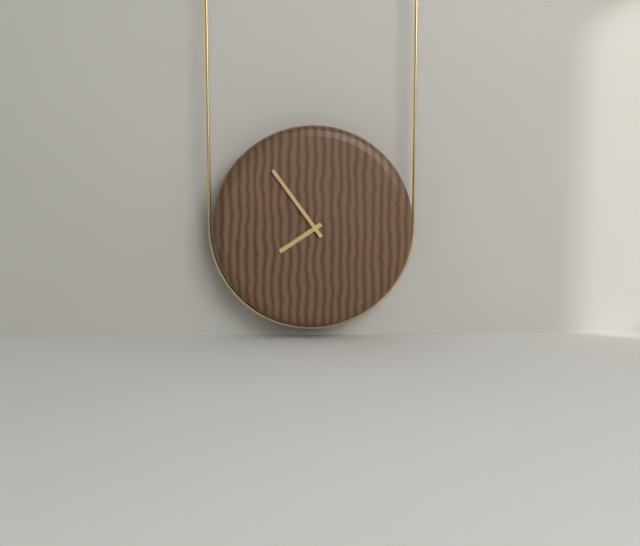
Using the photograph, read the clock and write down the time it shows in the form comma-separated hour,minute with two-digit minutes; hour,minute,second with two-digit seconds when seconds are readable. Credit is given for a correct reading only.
7,54
